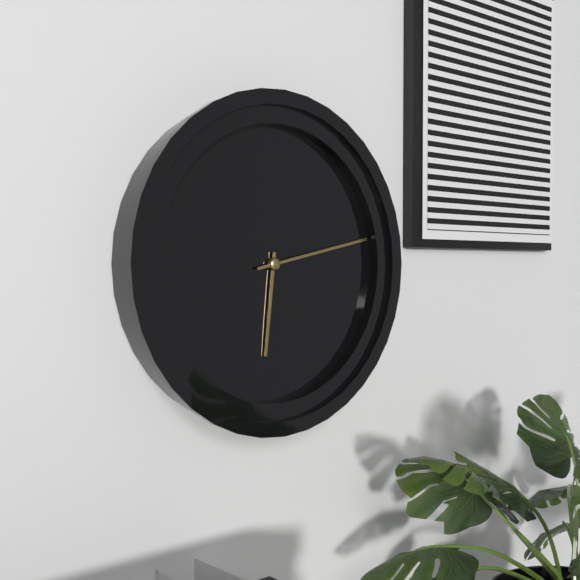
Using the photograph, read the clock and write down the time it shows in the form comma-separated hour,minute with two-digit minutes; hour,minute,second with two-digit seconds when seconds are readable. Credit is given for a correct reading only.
6,13
